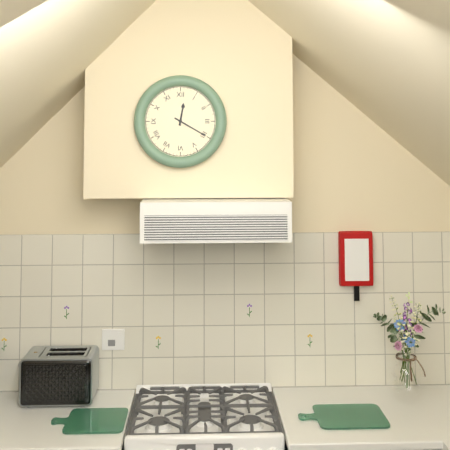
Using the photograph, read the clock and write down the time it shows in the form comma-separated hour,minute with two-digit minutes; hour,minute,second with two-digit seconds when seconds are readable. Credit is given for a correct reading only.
12,20
